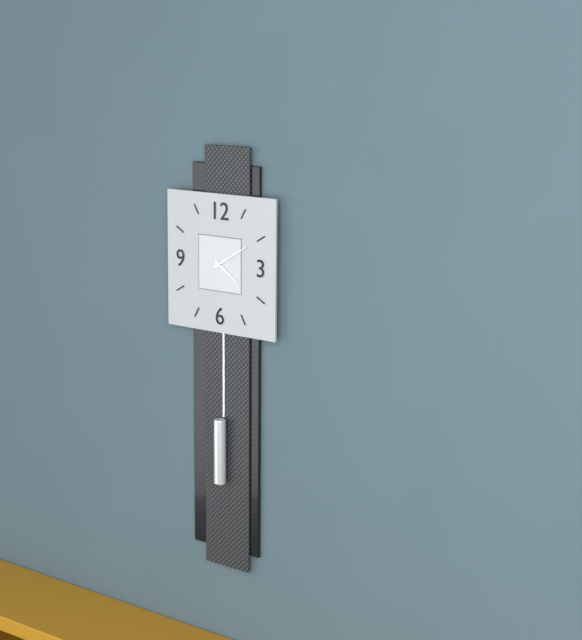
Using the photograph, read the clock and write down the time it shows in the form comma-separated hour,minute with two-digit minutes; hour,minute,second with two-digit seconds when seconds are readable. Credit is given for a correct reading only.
4,10
